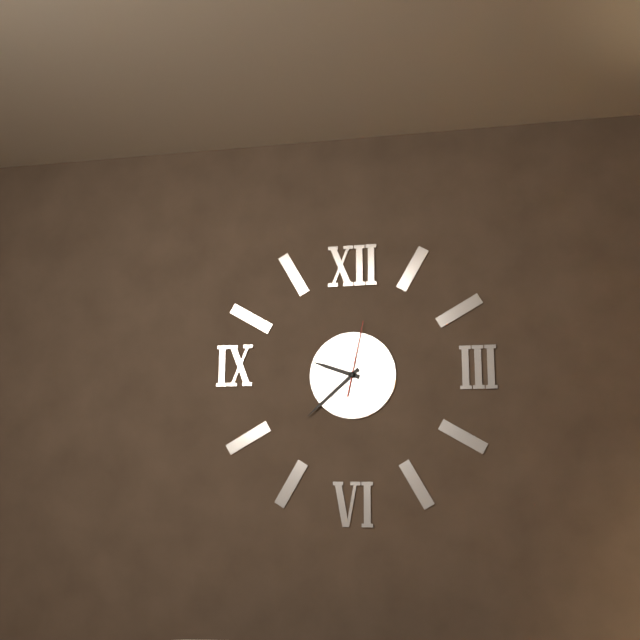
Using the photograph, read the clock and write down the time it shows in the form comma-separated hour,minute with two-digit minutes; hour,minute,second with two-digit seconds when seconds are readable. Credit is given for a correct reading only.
9,38,02
